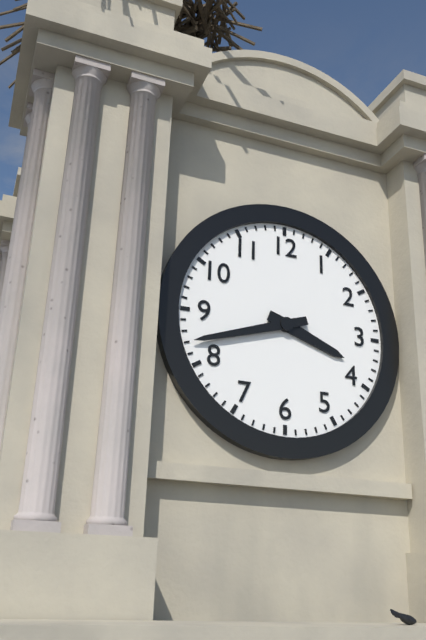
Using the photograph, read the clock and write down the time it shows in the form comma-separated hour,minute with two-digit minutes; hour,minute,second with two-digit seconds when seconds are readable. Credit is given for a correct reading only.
3,42
